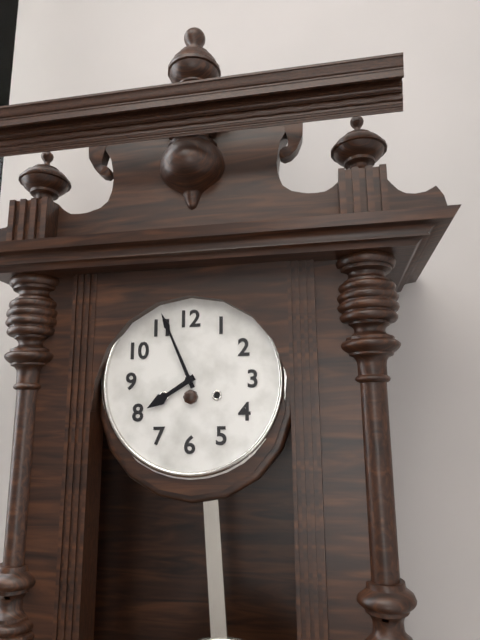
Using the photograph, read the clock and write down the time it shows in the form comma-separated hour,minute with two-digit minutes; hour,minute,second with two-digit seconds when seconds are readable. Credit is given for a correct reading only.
7,56
